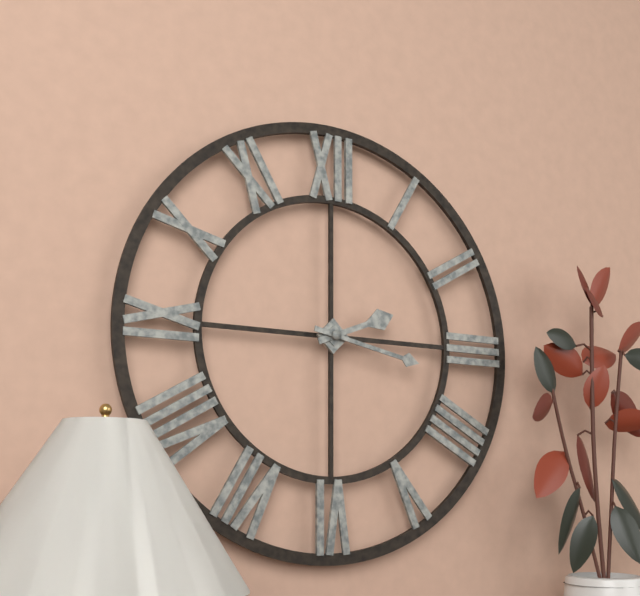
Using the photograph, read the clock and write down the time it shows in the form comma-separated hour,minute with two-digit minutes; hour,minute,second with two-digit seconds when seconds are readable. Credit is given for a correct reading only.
2,17
